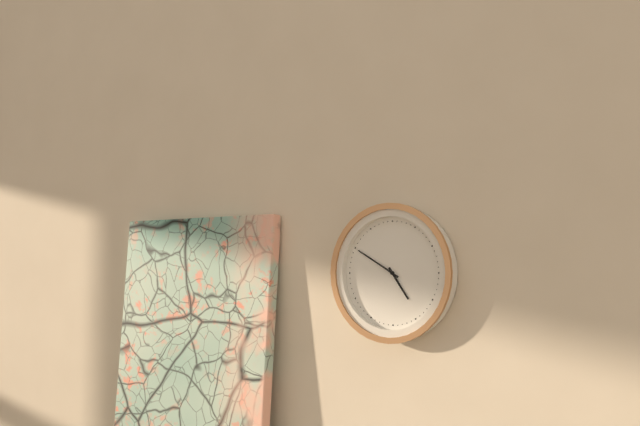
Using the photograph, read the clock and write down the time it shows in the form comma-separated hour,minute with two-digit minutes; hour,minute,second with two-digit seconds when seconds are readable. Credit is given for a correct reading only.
4,50
